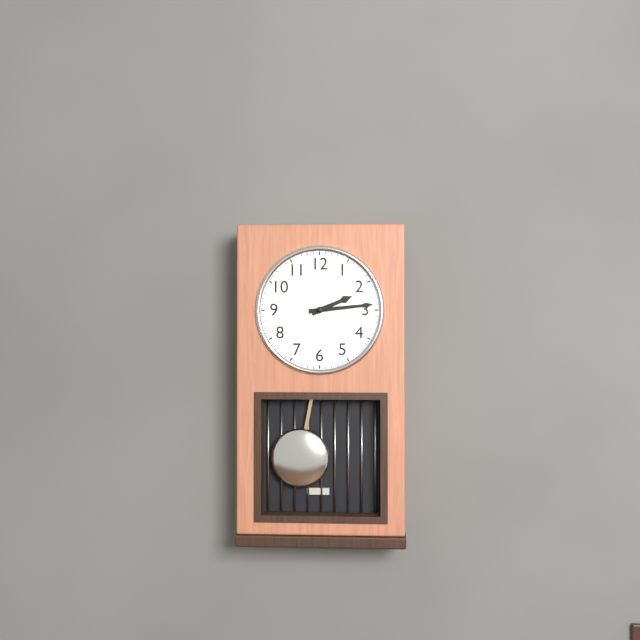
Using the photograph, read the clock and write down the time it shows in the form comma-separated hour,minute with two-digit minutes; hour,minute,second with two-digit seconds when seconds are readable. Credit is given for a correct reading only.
2,14
